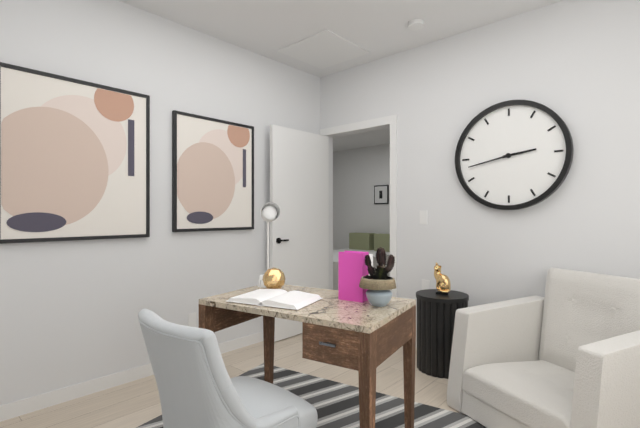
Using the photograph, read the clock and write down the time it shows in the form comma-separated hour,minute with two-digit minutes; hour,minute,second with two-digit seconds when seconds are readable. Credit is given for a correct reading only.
2,43
